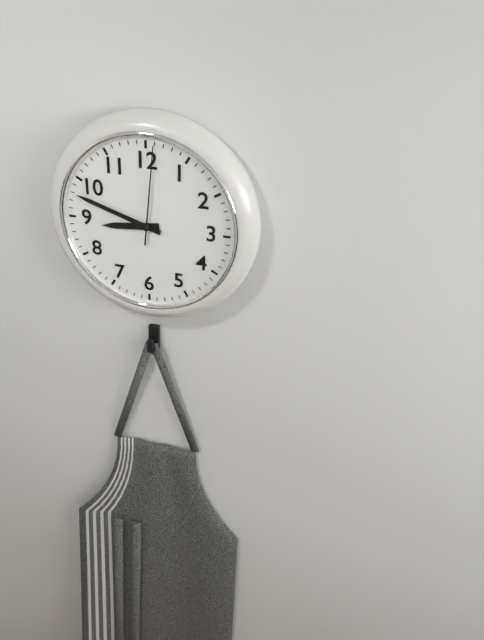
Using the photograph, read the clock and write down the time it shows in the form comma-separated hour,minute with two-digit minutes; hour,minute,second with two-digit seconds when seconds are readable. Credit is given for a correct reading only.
8,48,01
